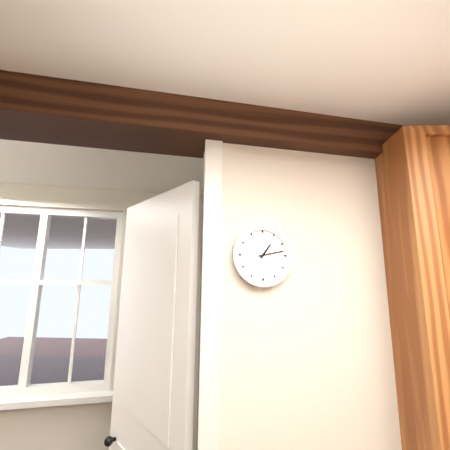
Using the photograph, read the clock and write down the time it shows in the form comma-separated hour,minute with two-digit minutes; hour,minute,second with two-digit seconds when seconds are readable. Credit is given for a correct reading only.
1,13
